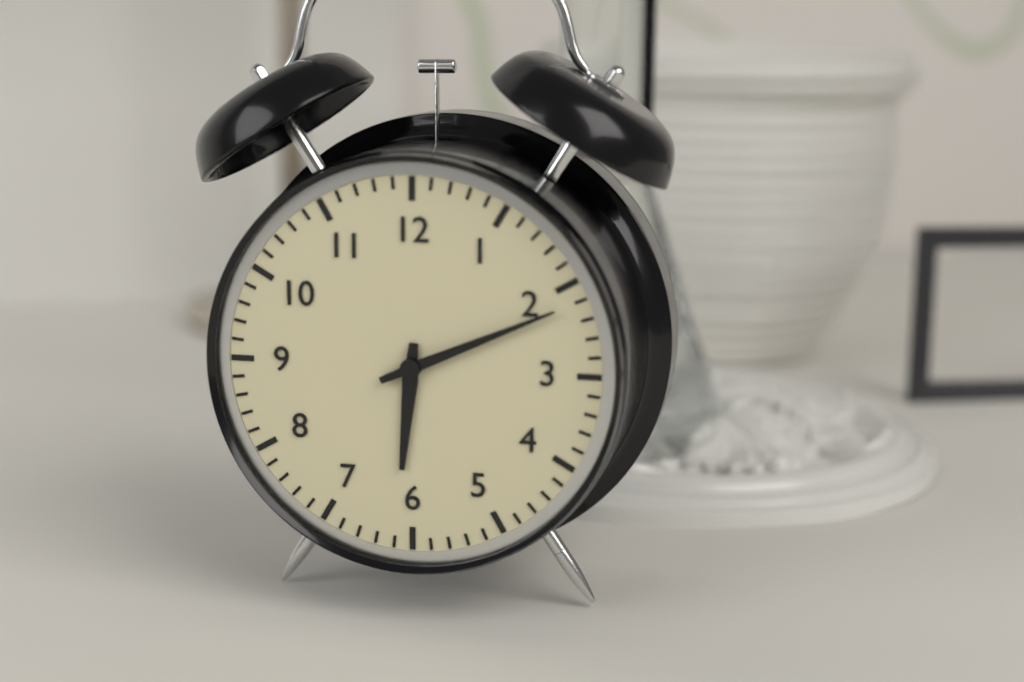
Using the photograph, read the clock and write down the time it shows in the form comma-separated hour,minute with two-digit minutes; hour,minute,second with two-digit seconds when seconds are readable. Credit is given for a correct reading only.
6,11
